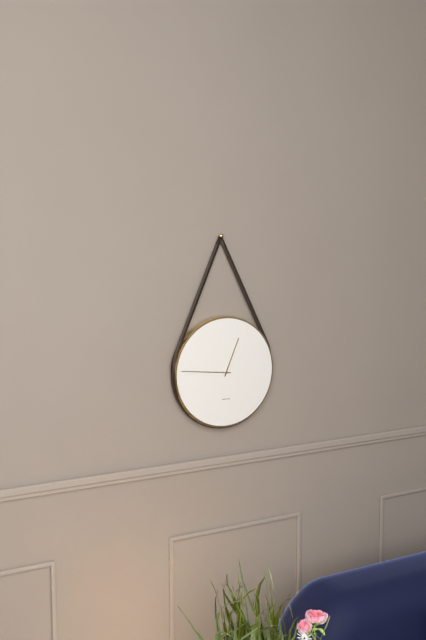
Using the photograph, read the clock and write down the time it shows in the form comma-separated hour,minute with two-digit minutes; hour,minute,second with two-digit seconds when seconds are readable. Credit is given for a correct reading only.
12,46
